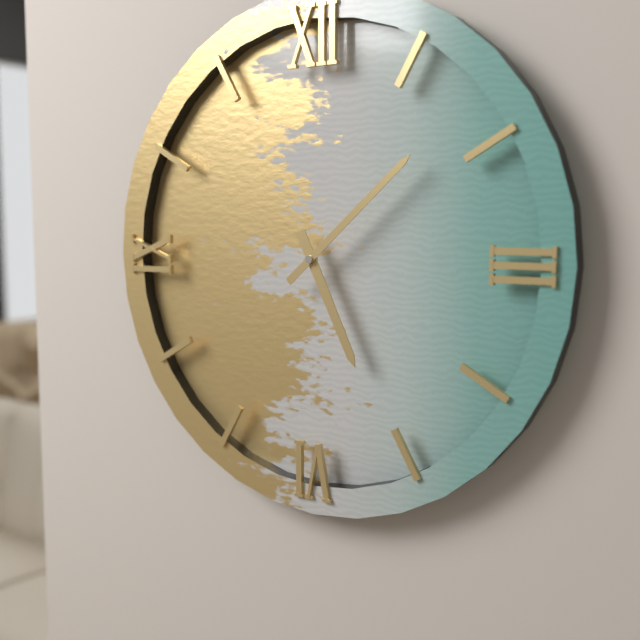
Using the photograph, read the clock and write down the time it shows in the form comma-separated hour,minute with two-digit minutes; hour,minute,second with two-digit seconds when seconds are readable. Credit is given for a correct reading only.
5,08
